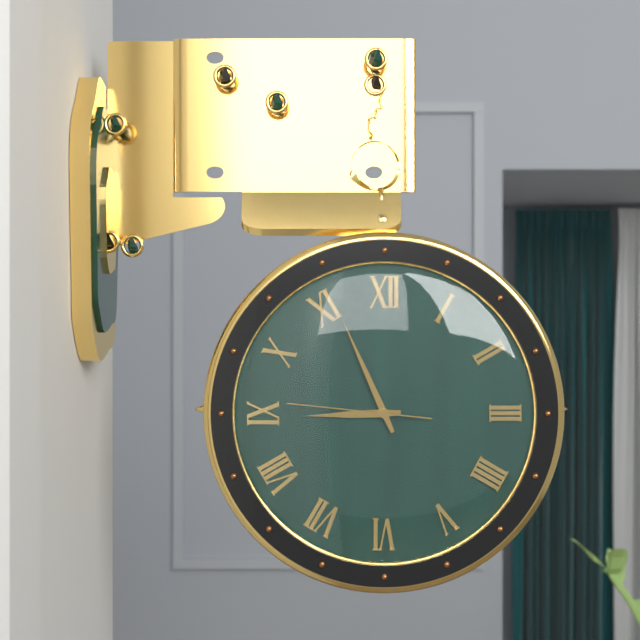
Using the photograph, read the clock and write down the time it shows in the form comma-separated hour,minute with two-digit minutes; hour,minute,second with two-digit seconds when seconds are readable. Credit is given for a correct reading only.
8,56,46
